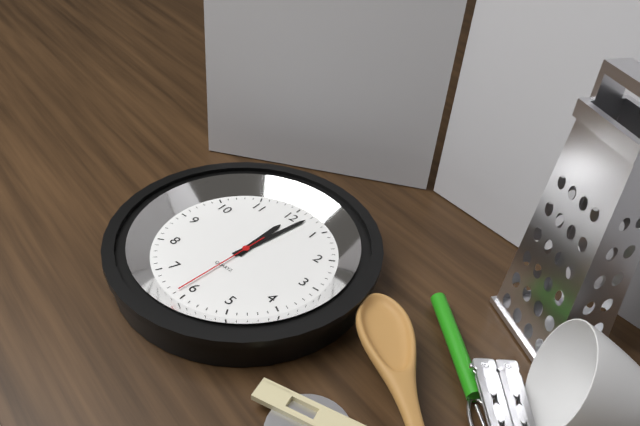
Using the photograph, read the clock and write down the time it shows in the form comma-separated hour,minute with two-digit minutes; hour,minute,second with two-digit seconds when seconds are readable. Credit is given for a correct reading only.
12,02,31
